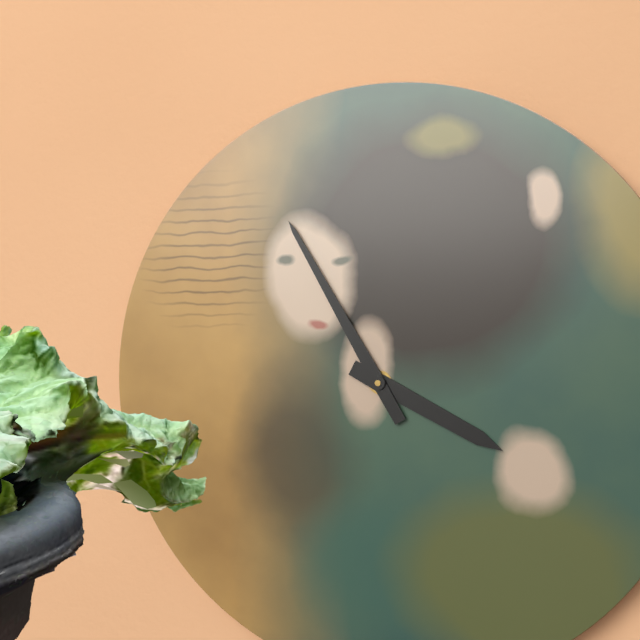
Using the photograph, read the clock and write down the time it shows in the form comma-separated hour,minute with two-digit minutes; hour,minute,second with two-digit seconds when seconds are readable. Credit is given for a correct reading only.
3,55
